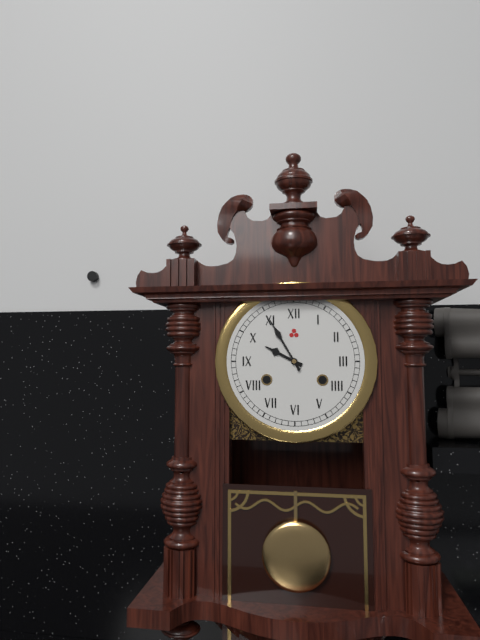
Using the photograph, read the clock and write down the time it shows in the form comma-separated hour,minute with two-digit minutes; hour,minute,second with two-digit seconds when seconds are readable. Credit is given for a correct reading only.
9,55
